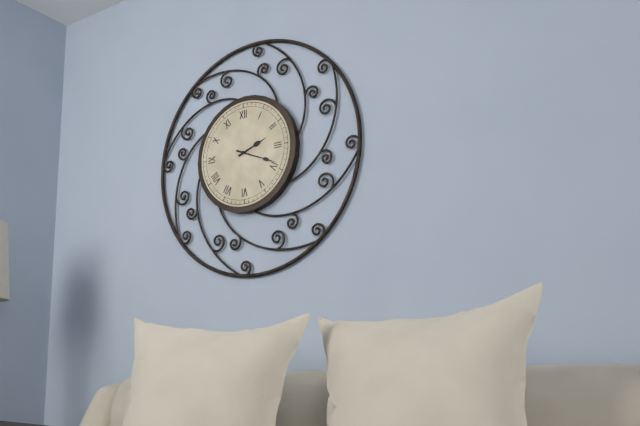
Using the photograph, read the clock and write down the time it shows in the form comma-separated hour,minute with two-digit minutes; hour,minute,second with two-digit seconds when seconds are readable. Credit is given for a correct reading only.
2,19
